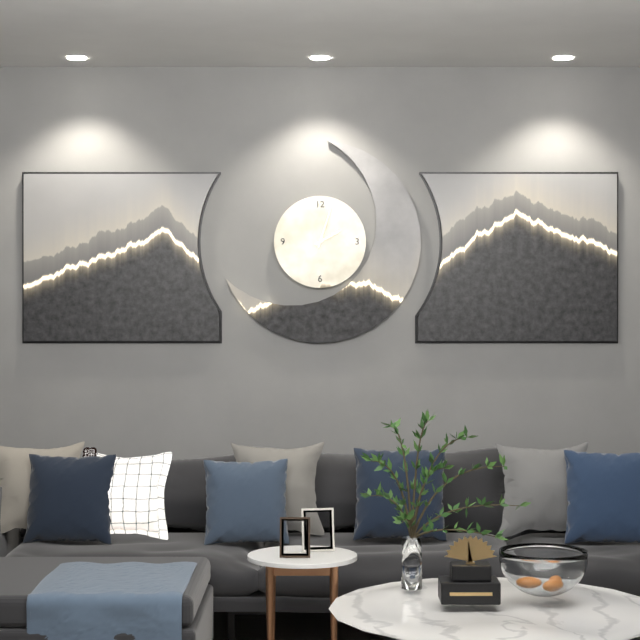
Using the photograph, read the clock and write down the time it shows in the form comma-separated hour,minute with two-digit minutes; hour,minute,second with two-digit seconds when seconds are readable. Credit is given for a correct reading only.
2,03
